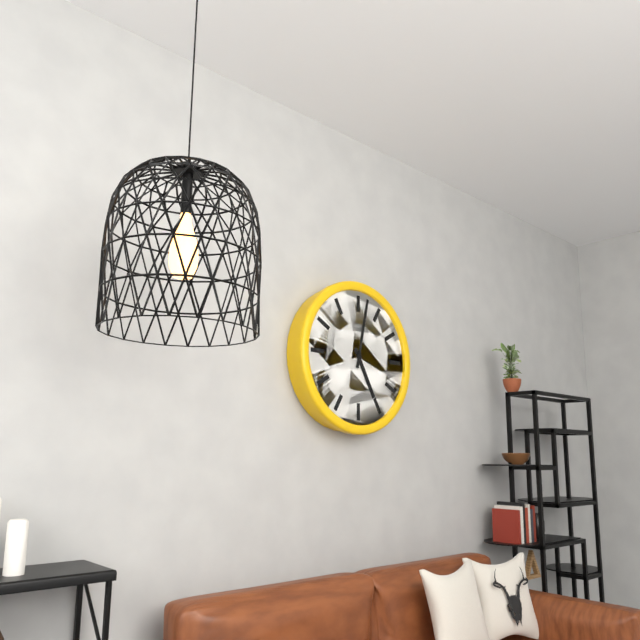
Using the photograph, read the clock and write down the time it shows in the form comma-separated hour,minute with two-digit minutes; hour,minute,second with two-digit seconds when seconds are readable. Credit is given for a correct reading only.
5,02
